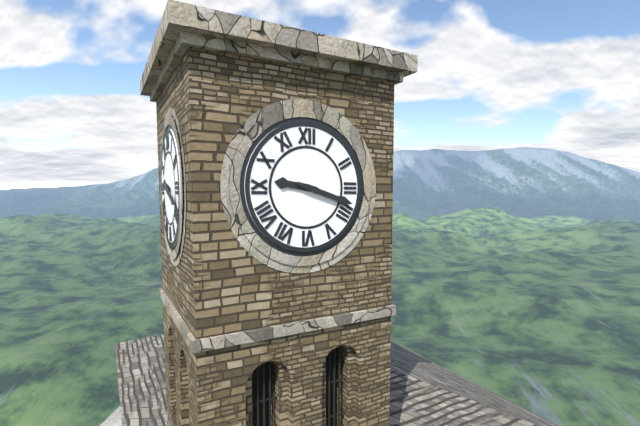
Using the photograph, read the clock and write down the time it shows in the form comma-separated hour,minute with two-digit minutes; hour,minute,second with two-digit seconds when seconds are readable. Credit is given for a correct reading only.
9,18
